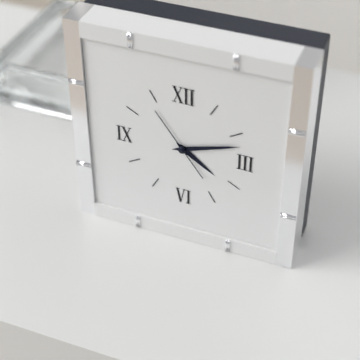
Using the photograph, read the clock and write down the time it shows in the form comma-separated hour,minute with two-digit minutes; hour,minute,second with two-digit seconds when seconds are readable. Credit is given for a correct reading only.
4,12,54
